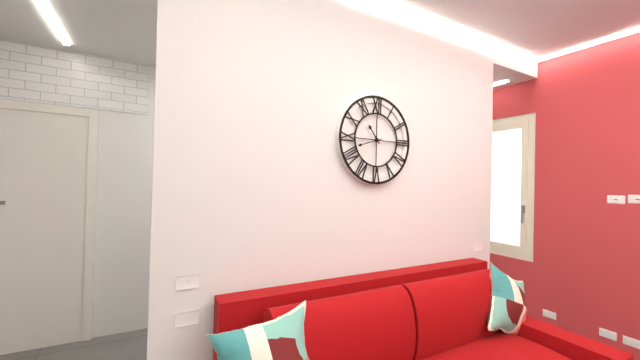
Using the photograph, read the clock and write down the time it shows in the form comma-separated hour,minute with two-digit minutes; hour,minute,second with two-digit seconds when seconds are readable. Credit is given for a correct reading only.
10,42
